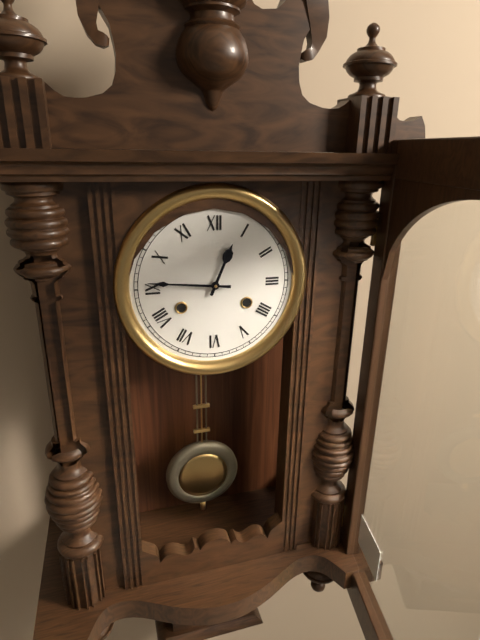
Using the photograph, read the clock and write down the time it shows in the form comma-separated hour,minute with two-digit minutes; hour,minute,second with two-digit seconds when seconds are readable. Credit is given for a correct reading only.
12,46
